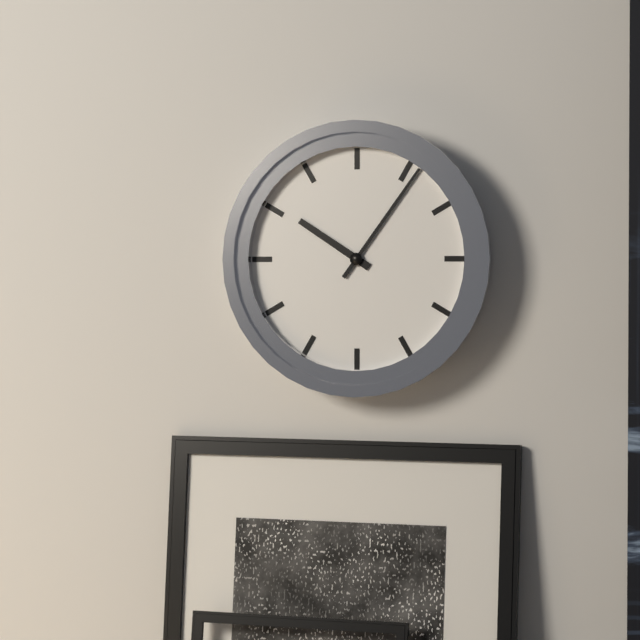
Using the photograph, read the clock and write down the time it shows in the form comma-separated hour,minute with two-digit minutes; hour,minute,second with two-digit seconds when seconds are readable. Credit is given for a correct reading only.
10,06
